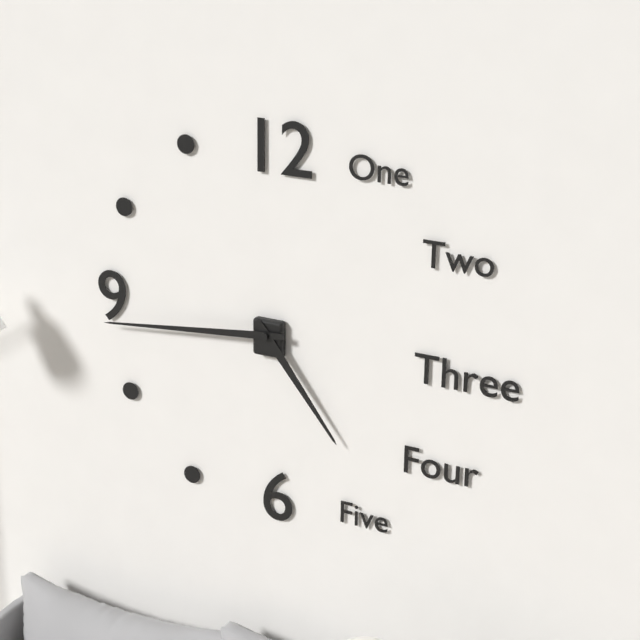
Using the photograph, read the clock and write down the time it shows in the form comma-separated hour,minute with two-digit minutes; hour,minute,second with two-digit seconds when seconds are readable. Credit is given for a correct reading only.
4,44
